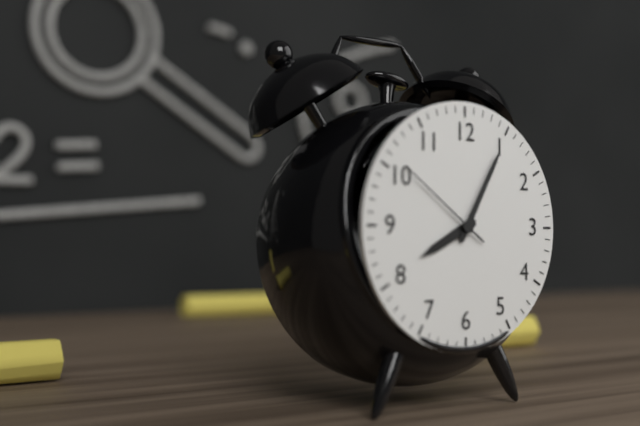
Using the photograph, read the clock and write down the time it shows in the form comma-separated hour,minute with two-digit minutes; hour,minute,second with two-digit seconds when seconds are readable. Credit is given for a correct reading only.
8,05,51
